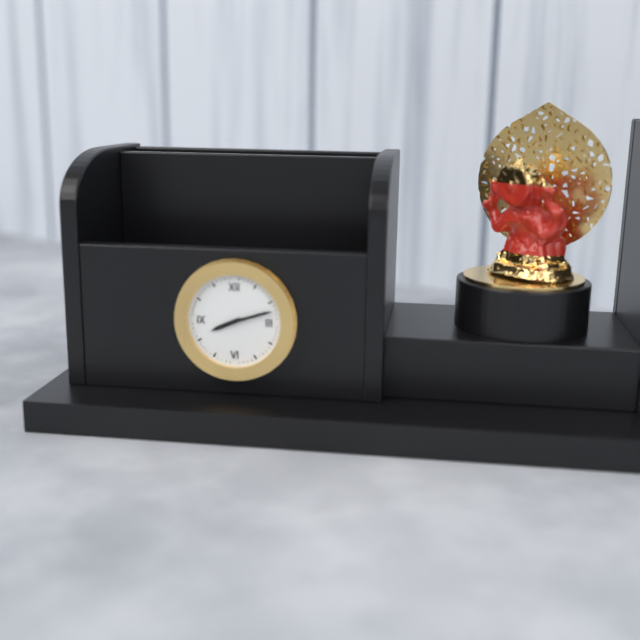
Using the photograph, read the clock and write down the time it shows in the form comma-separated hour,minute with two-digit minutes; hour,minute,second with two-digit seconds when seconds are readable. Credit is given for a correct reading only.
8,12
